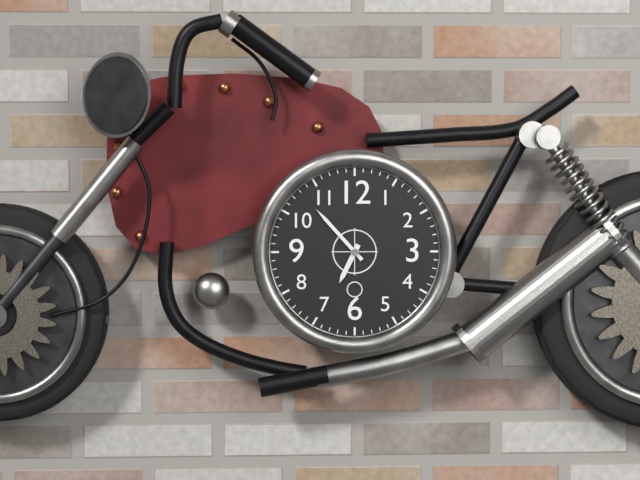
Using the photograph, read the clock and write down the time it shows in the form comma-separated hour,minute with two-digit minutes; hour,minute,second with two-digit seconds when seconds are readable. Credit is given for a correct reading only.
6,53
